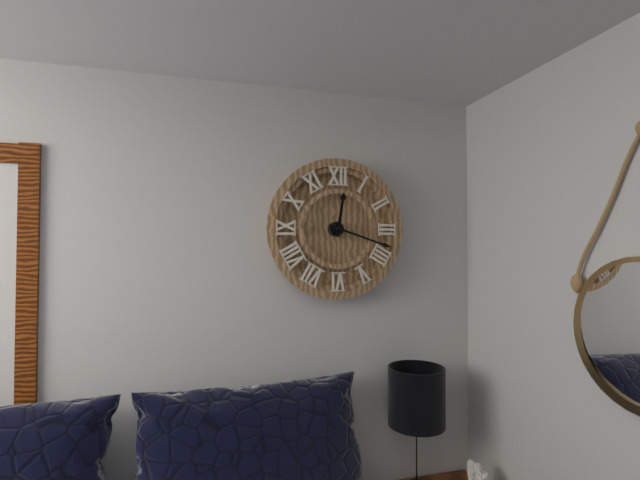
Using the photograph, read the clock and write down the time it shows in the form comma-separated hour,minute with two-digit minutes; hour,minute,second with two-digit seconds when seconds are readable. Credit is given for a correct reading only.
12,18
